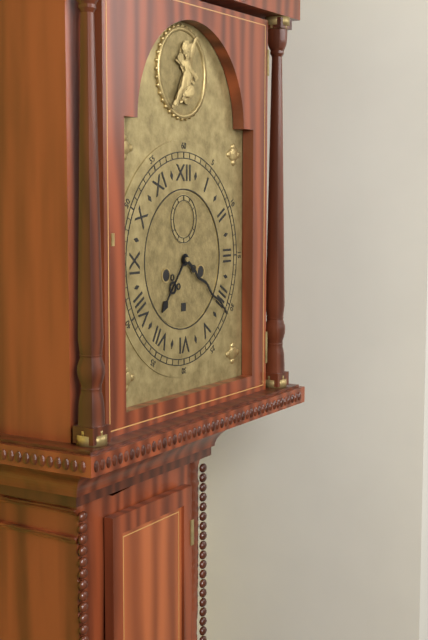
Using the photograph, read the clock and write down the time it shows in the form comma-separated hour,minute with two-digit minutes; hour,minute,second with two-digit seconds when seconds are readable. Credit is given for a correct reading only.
7,21
